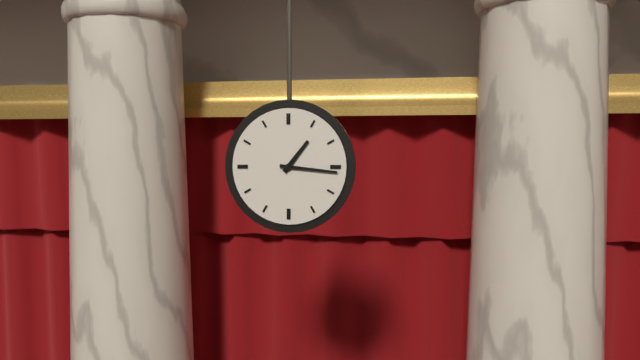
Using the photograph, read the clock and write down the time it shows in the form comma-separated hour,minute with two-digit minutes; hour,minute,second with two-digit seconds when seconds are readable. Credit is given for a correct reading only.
1,16
